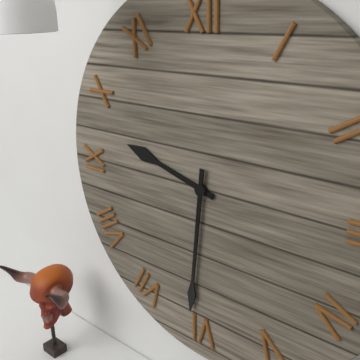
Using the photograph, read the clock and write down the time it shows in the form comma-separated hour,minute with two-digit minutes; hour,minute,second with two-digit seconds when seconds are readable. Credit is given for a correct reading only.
9,31
